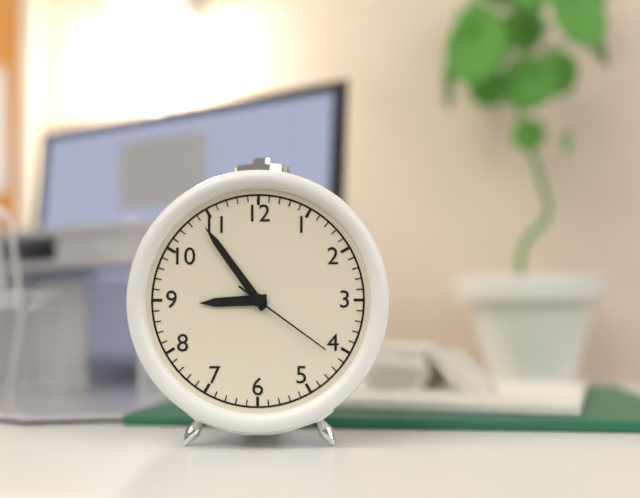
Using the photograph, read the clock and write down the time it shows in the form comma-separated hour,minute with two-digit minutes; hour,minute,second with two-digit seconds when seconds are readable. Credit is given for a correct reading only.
8,54,21
